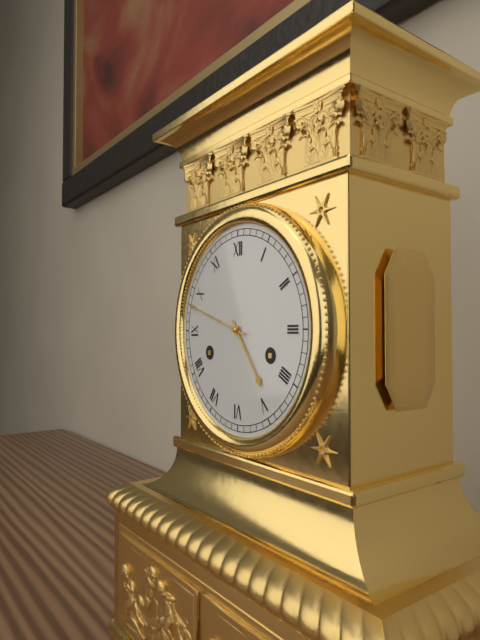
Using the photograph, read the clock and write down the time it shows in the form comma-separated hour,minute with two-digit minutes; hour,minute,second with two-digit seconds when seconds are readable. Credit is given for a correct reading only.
4,48
